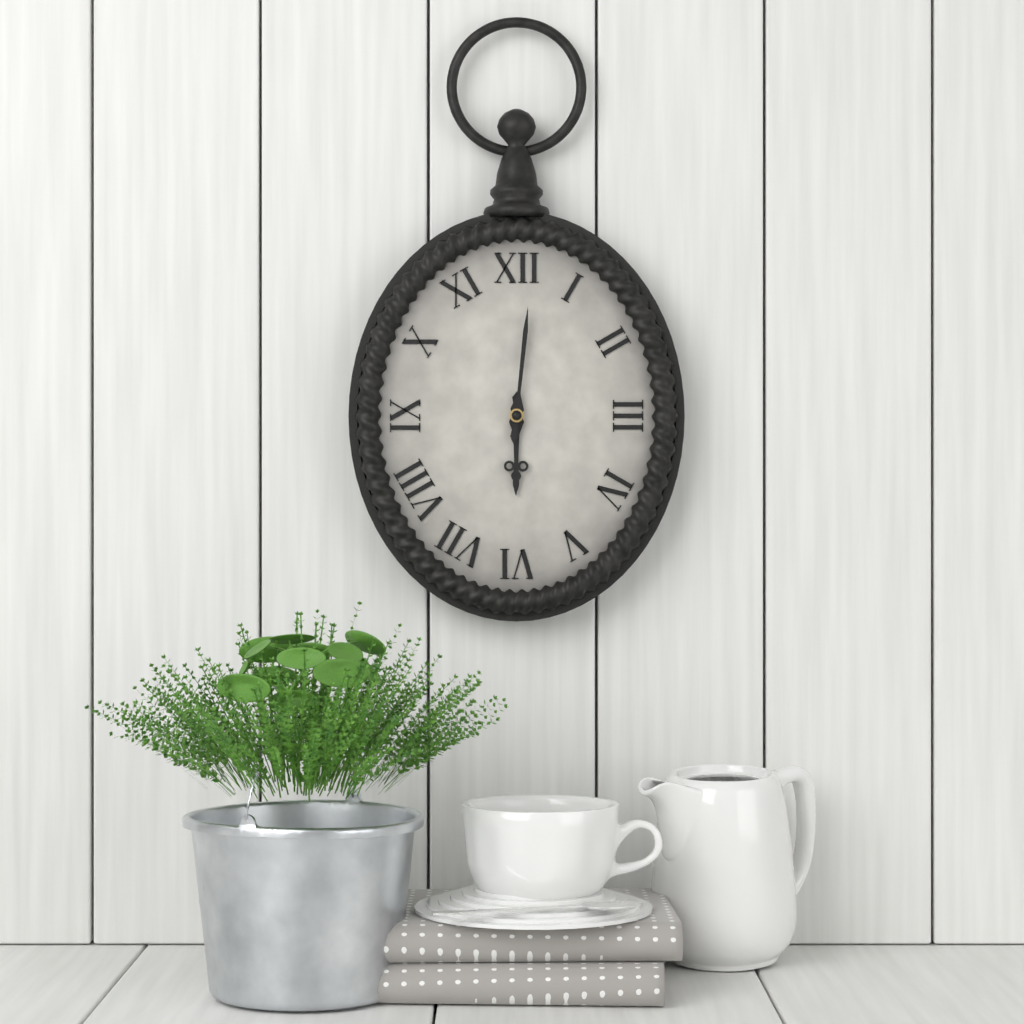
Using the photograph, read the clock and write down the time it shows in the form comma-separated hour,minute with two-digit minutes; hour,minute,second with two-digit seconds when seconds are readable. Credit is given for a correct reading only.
6,01
